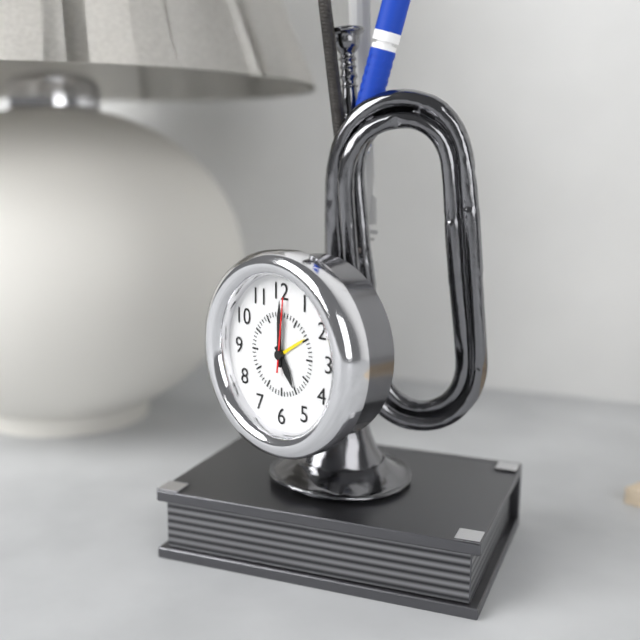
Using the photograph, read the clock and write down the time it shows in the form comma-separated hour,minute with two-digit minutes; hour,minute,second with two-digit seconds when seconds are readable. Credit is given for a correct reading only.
5,00,01
